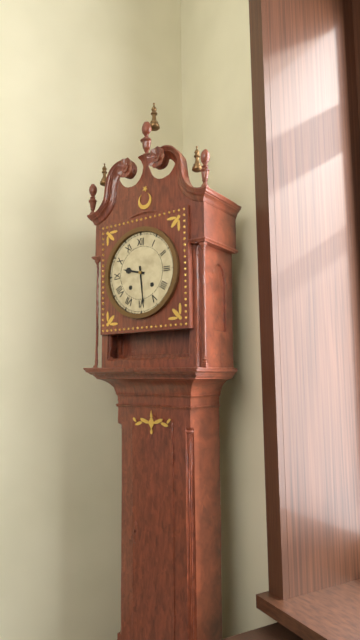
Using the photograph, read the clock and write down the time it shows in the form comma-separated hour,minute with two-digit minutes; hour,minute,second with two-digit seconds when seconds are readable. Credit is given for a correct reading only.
9,29
